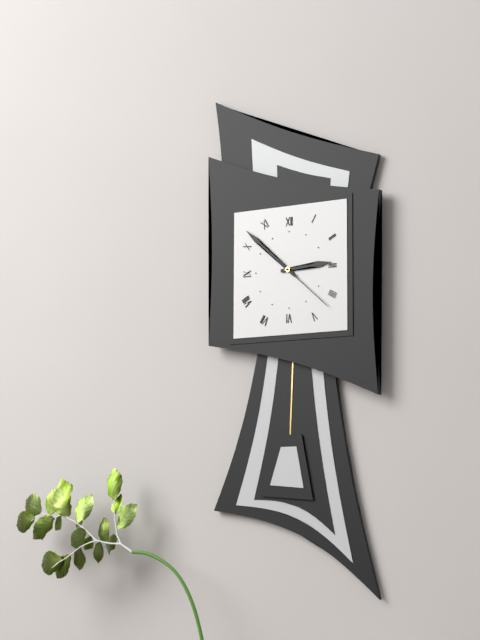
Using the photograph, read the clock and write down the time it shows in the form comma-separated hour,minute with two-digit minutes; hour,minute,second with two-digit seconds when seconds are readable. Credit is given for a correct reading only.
2,52,22
